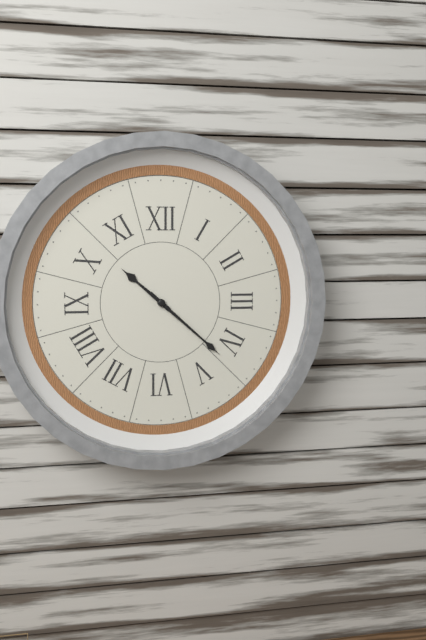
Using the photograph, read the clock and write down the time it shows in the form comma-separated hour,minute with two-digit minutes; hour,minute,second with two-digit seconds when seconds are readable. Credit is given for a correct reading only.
10,22
